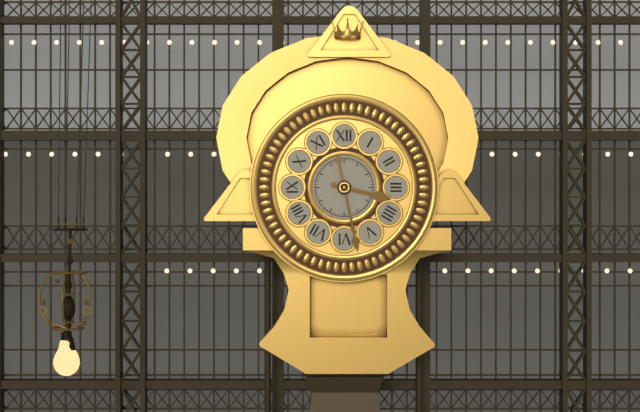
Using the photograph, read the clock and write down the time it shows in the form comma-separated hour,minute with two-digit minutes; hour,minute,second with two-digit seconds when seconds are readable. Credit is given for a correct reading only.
3,28
